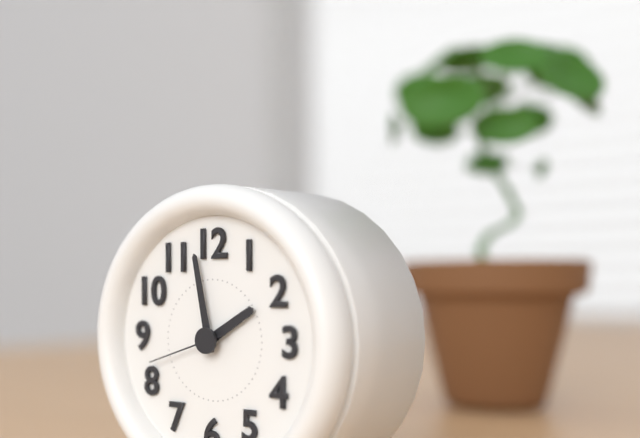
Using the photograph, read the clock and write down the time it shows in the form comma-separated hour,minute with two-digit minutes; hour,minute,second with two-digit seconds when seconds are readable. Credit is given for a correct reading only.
1,58,42
